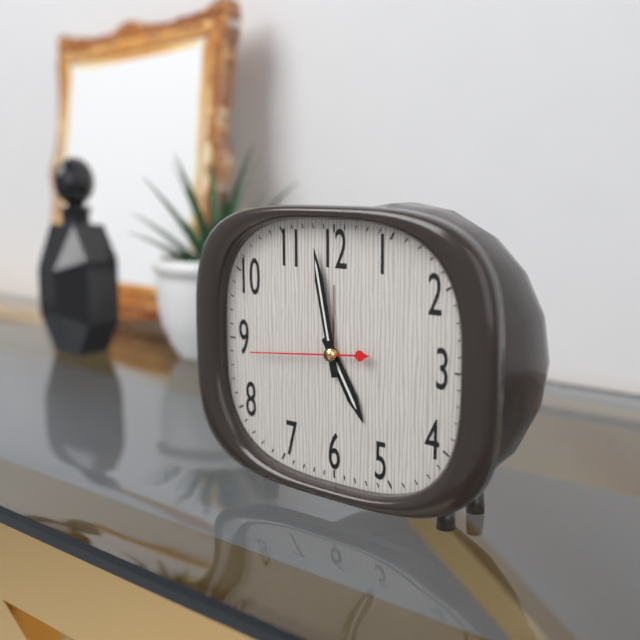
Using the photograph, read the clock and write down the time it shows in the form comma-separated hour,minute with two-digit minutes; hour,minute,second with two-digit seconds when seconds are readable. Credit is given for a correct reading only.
4,58,44
